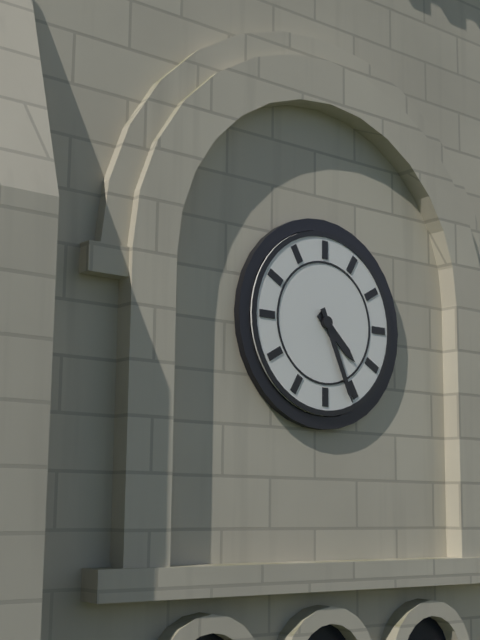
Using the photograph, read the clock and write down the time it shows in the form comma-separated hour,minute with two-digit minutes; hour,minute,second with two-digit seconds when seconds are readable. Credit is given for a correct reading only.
4,26
